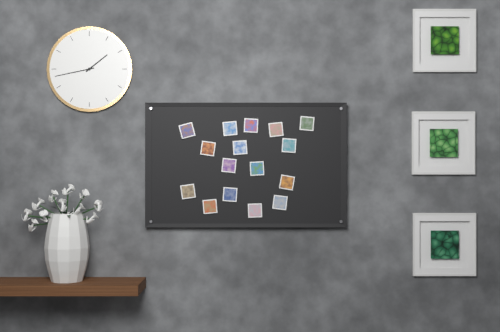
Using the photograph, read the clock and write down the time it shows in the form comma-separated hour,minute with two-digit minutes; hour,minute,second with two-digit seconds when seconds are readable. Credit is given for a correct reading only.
1,43
